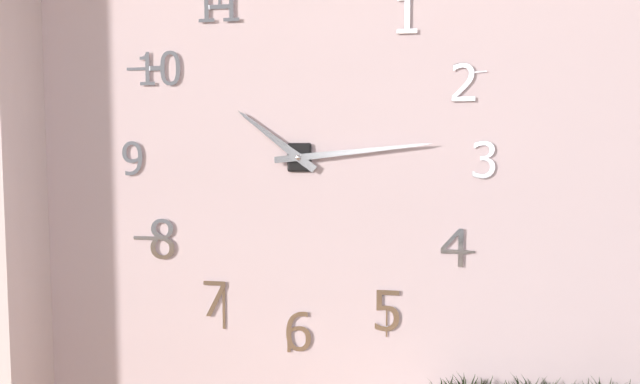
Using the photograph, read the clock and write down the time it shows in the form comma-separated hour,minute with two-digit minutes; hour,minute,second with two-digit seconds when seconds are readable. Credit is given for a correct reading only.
10,14
